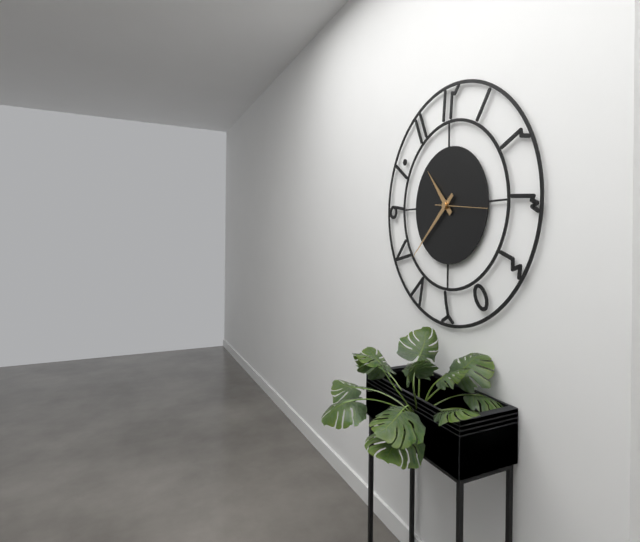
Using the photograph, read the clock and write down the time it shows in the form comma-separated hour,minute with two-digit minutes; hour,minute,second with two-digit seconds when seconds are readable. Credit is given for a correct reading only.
10,38,16
